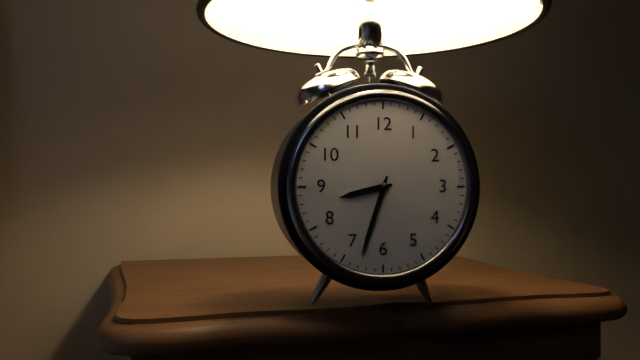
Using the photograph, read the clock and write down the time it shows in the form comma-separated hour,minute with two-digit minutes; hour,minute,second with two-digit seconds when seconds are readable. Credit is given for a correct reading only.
8,33
